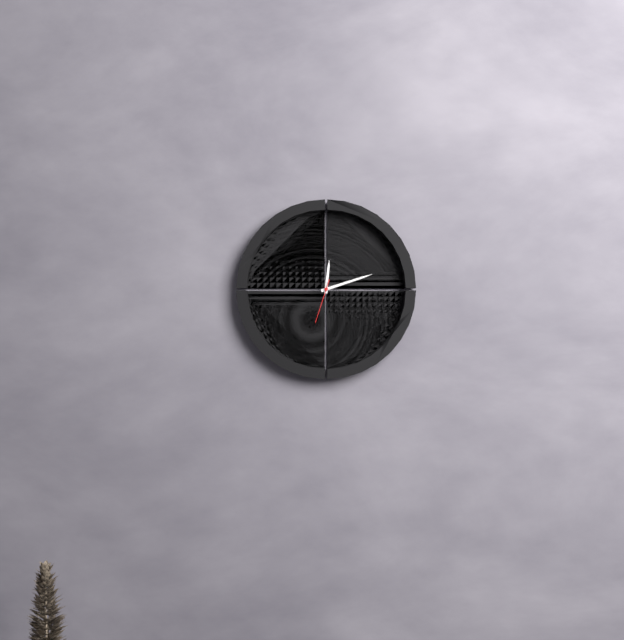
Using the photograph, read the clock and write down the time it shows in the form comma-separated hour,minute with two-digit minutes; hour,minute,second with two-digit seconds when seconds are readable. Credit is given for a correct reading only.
12,12
